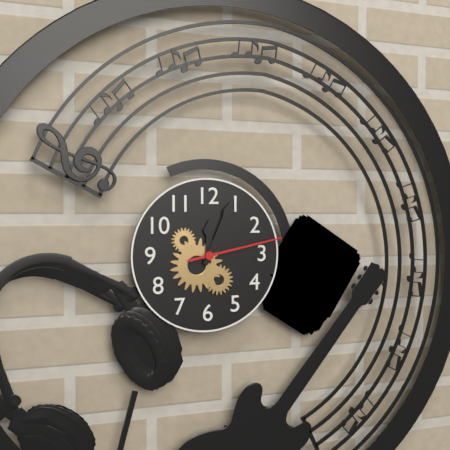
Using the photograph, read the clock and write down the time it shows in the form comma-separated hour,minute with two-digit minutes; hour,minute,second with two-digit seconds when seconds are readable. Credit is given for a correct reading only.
12,04,13
